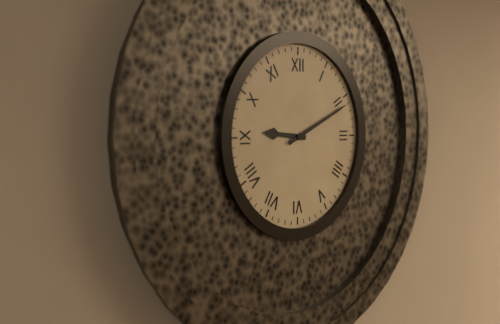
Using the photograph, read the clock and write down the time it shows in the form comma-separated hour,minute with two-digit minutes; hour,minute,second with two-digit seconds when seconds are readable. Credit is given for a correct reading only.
9,11
